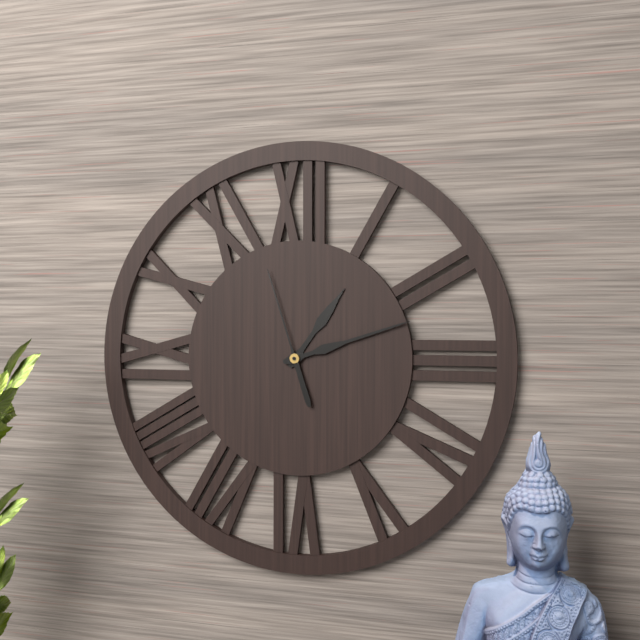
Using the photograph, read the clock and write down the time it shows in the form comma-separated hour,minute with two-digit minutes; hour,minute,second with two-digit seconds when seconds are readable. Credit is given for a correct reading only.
1,12,57
